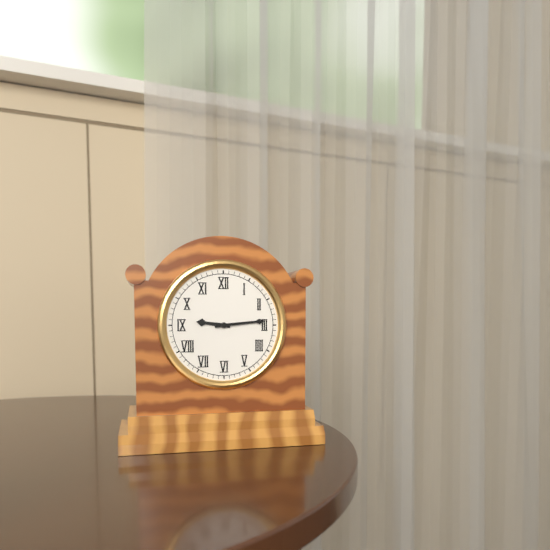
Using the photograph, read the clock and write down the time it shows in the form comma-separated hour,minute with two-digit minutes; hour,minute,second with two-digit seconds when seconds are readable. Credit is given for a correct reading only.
9,14
